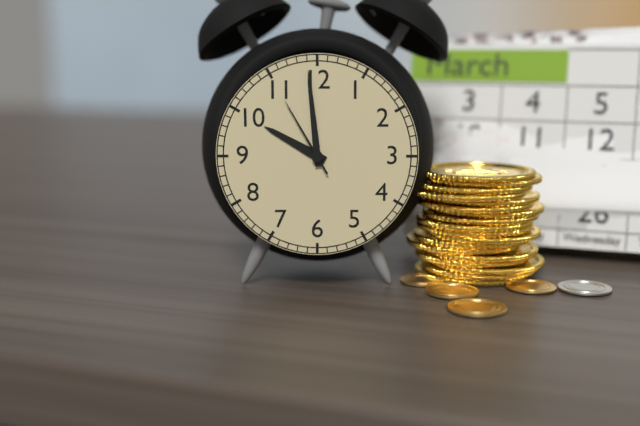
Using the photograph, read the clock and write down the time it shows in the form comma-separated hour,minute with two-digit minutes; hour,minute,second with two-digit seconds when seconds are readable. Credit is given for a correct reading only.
9,59,55
